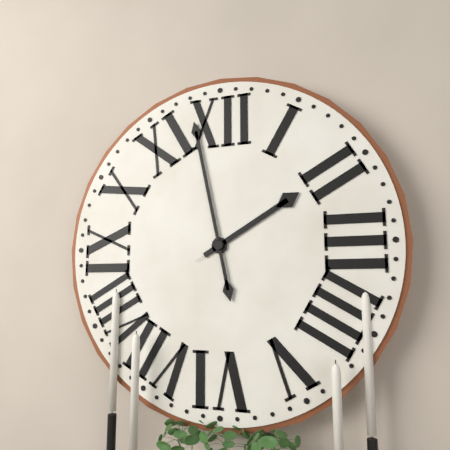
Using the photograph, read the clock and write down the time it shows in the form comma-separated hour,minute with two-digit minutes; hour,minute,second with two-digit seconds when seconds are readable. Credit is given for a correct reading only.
1,58
